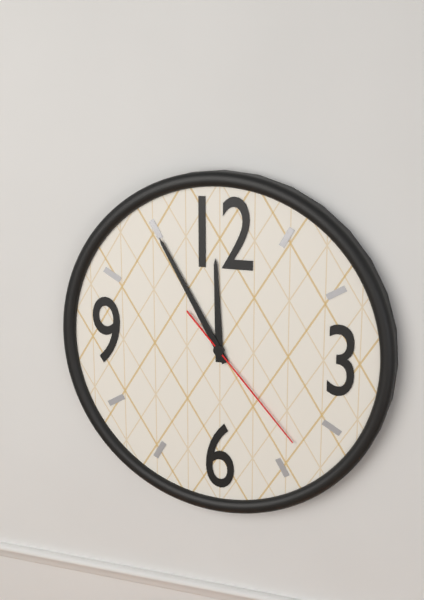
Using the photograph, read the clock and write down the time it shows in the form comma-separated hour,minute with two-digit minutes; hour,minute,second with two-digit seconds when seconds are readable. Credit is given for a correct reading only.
11,55,23
